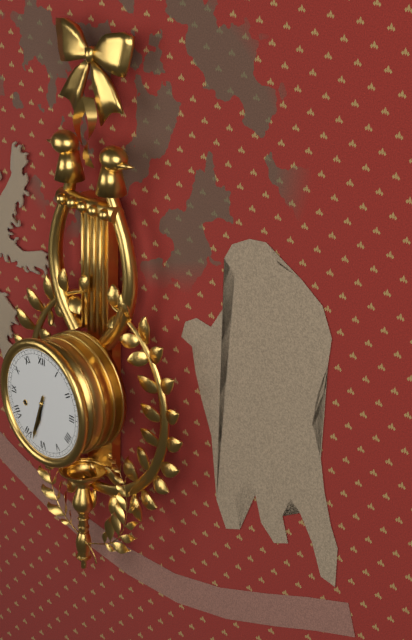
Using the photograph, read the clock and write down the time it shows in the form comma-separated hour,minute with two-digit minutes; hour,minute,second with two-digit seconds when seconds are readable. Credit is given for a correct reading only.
6,33
